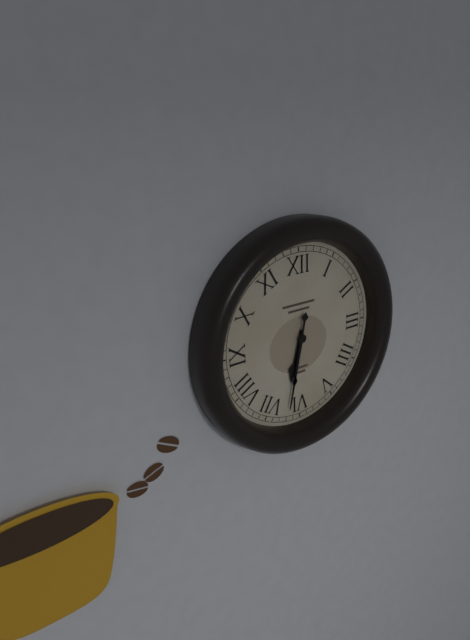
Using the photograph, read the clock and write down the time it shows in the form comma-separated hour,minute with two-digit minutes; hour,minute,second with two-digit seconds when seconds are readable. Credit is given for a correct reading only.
6,32
